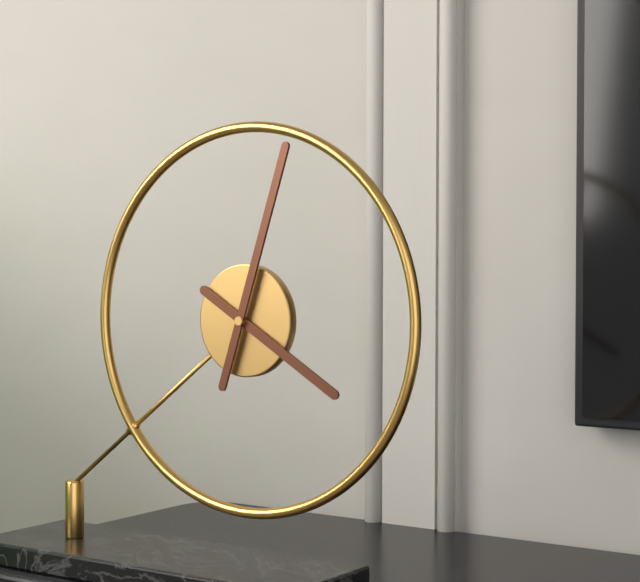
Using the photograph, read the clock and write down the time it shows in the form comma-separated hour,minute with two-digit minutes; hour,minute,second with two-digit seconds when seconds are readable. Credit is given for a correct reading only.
4,03
